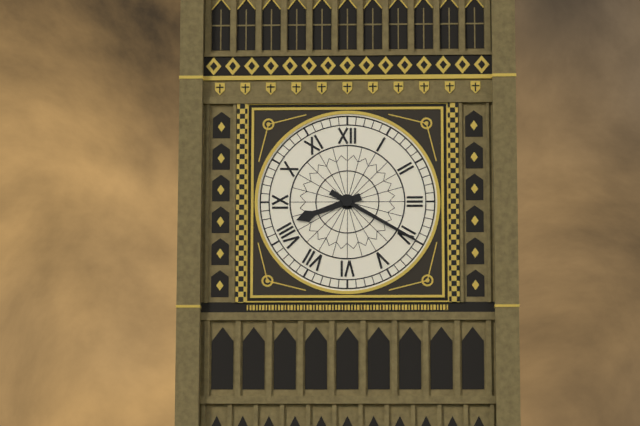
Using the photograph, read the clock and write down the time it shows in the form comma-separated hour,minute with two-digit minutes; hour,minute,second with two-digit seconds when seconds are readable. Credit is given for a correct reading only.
8,20
